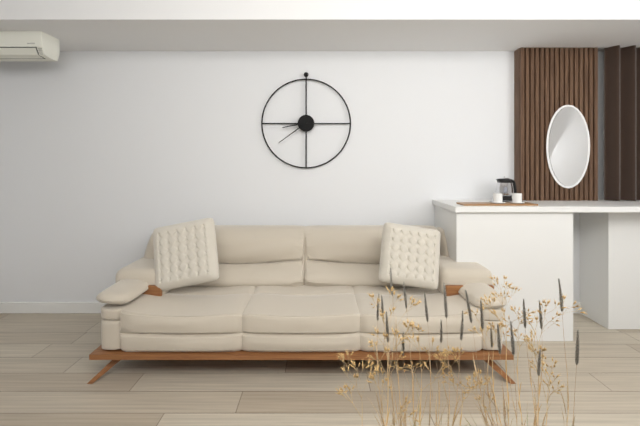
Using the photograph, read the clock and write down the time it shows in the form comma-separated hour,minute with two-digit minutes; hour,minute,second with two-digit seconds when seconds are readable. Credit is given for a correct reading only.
8,39
